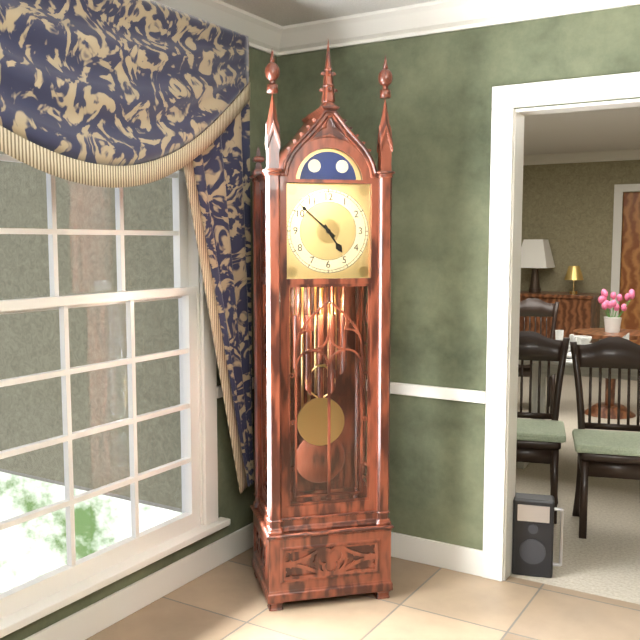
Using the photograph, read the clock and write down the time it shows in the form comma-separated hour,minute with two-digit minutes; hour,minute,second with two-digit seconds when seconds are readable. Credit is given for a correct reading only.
4,52
